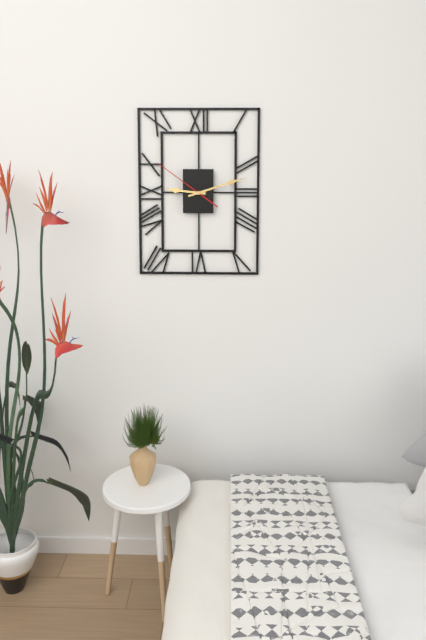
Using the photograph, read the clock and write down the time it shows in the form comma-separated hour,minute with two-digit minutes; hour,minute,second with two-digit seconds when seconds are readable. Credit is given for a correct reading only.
9,12,51
